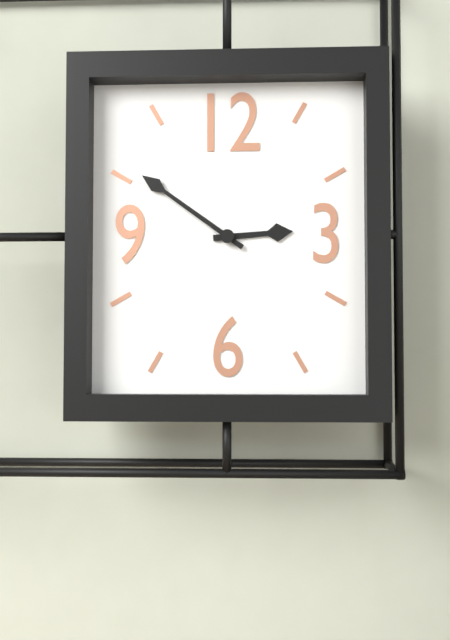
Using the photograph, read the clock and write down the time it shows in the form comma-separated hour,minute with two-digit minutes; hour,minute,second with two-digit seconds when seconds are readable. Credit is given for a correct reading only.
2,51
